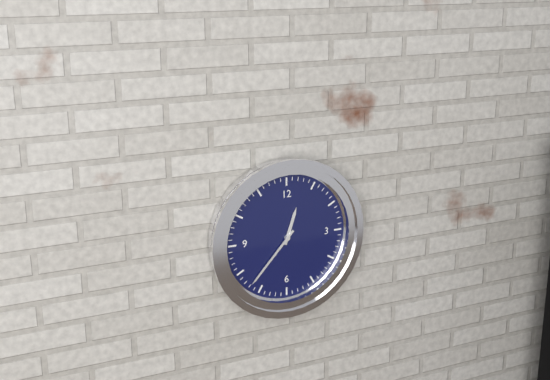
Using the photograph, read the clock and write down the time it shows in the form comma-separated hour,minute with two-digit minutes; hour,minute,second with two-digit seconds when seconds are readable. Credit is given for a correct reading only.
12,37
